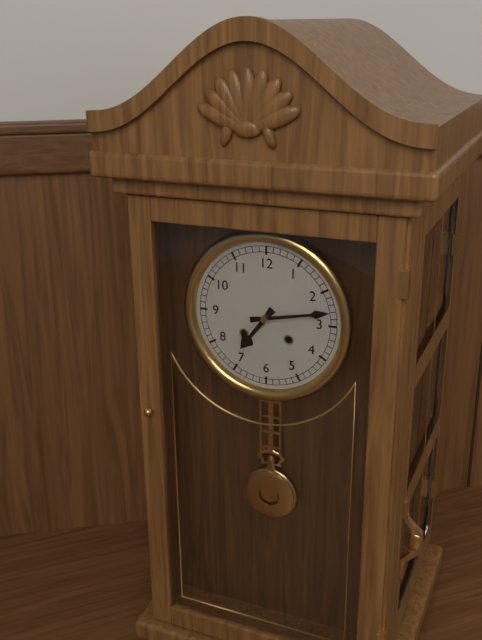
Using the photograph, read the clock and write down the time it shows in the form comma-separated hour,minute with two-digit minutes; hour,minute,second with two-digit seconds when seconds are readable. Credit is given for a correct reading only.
7,13
